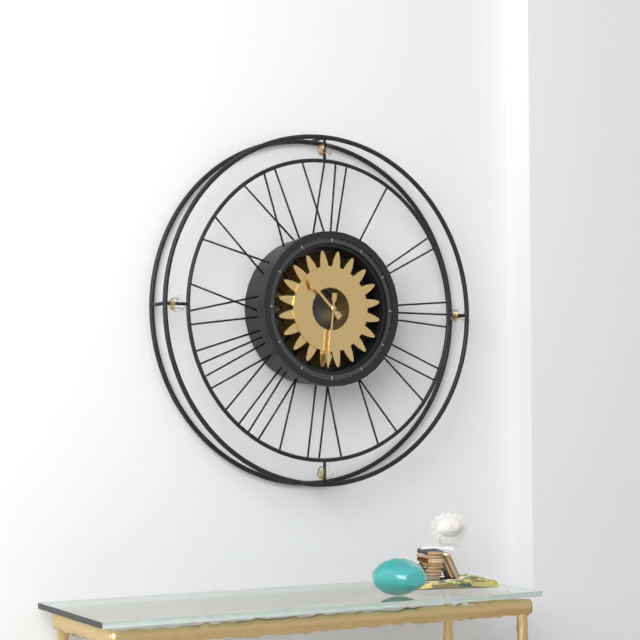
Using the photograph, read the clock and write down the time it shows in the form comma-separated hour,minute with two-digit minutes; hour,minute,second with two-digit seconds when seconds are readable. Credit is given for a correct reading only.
10,31
